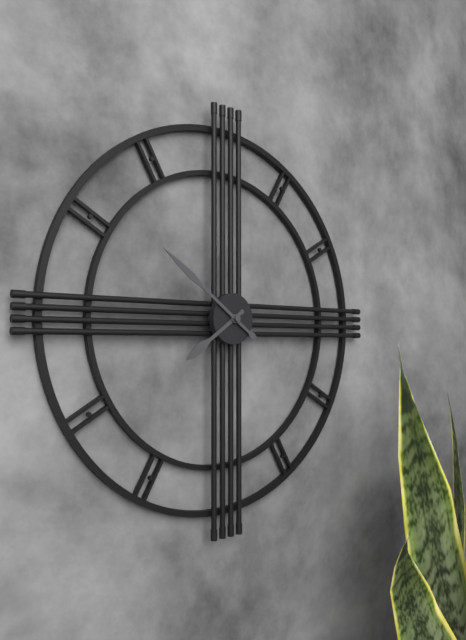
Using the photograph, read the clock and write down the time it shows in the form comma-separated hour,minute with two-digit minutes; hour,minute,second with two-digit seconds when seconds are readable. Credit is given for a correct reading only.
7,51
